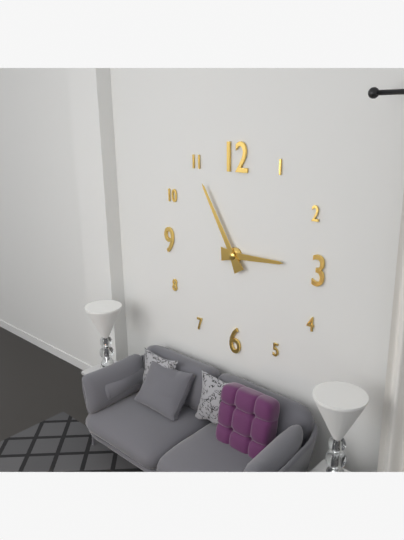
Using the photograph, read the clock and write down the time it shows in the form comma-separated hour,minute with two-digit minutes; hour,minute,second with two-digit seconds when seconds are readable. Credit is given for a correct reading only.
2,55
